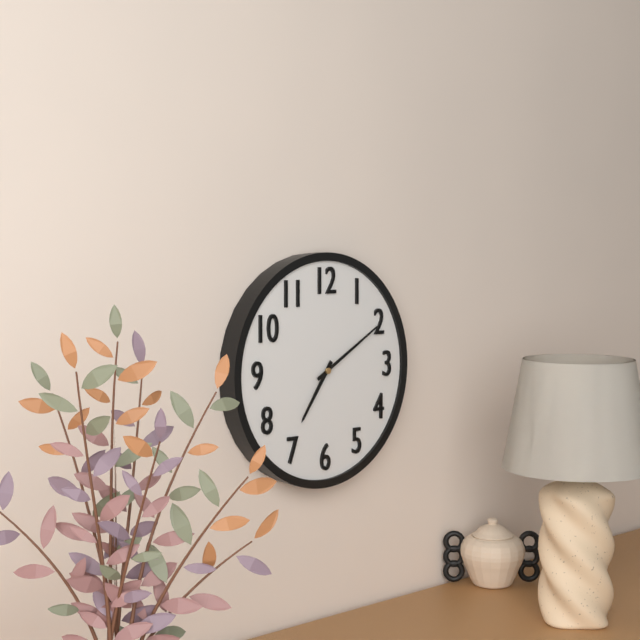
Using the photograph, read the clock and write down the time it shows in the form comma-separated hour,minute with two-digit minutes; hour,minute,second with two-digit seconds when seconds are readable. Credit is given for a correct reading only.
7,10
